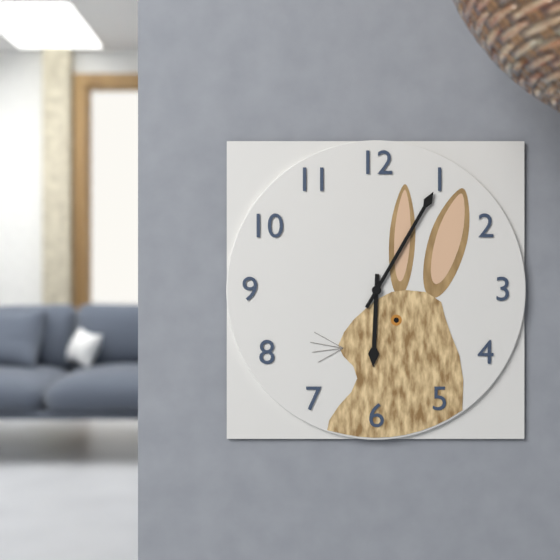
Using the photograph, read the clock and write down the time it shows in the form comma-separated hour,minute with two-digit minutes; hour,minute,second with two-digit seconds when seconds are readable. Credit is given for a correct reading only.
6,05
